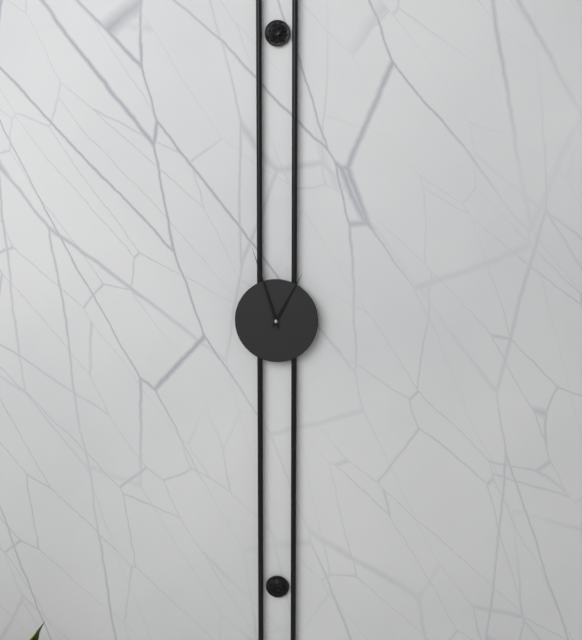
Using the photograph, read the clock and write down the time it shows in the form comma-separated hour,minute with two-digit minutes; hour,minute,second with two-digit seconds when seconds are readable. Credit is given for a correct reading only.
12,57
